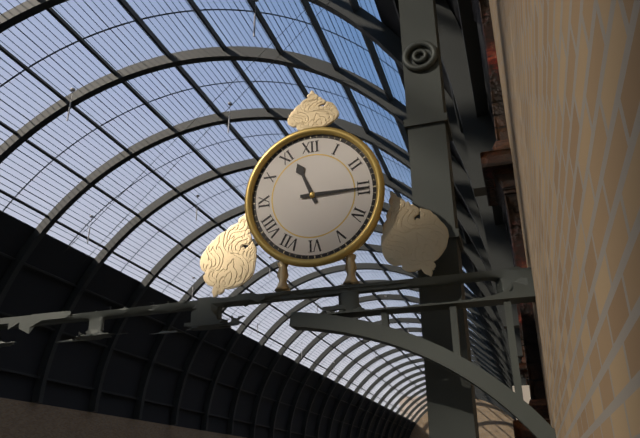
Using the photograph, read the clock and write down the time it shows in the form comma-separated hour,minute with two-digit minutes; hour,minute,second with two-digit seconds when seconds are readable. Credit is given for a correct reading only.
11,15
